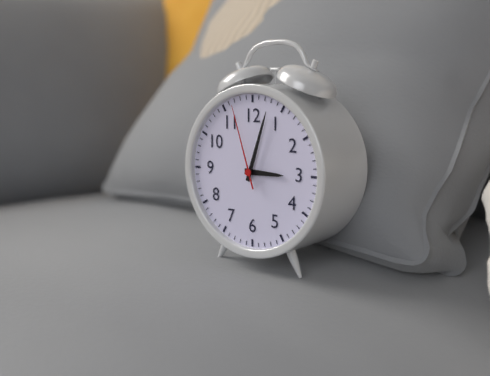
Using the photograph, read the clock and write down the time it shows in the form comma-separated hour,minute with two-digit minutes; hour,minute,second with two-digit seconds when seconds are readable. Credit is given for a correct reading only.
3,03,57
